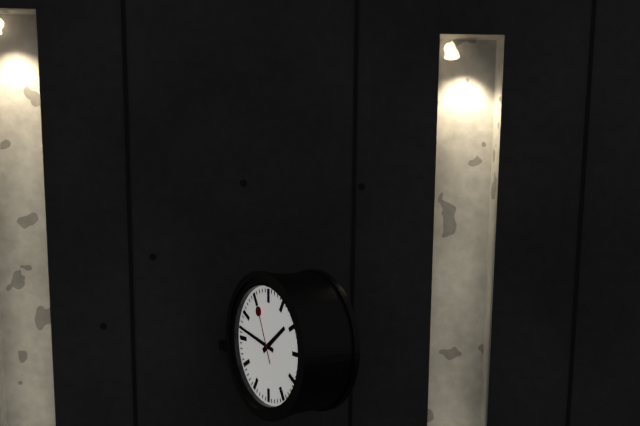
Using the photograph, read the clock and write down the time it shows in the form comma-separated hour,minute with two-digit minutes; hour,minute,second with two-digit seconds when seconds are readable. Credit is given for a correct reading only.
1,47,56
